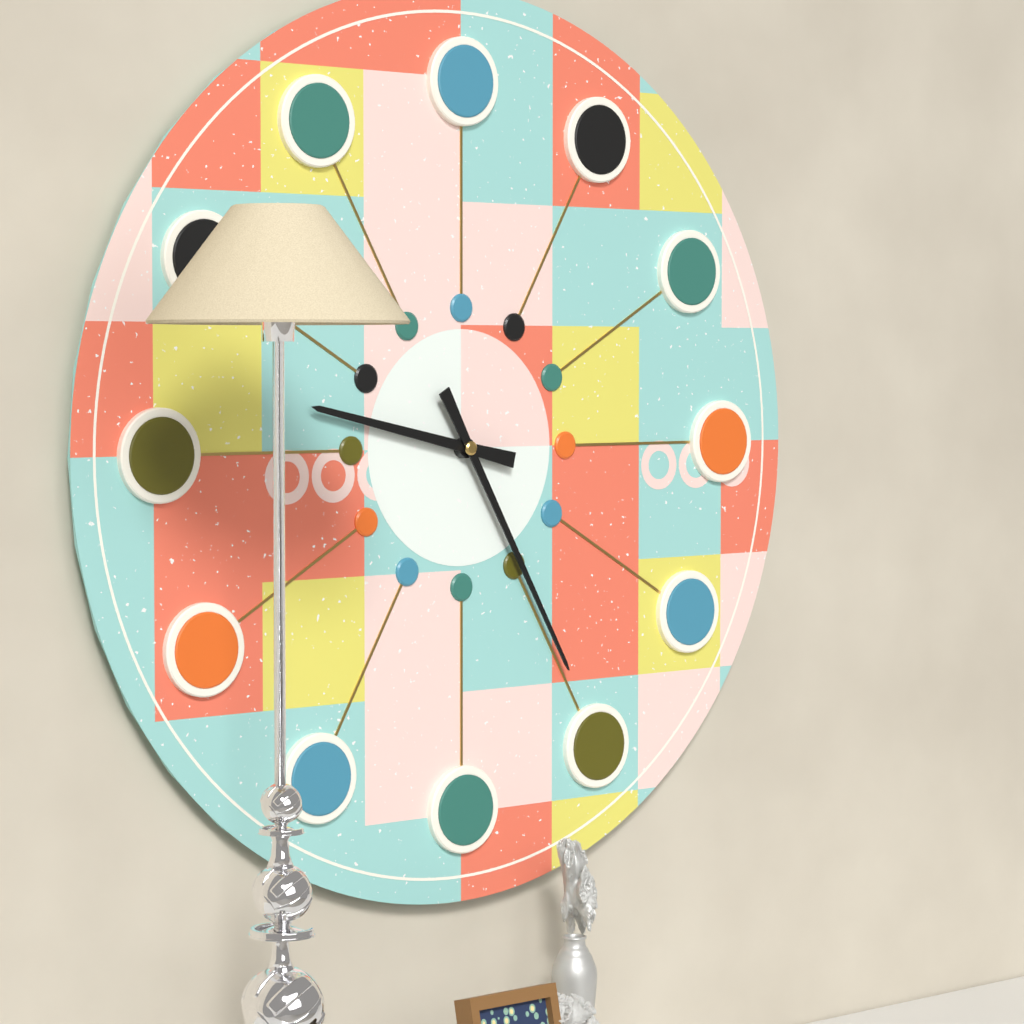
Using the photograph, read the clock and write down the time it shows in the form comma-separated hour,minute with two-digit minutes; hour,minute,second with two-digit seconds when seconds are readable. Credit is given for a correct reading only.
9,25
